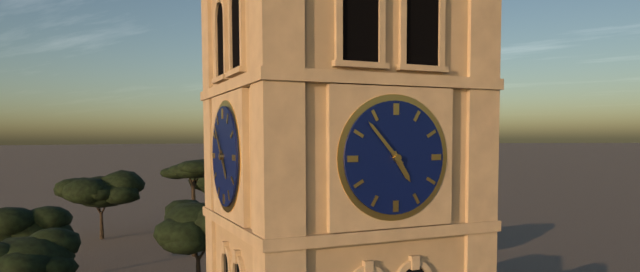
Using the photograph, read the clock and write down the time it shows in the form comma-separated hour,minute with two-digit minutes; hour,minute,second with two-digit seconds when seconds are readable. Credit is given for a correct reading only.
4,53
